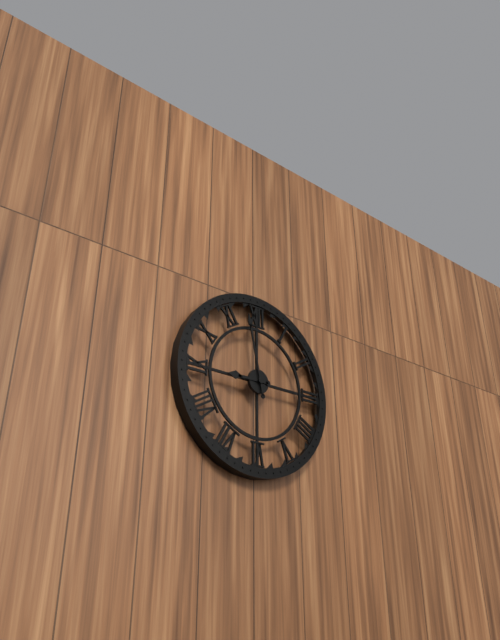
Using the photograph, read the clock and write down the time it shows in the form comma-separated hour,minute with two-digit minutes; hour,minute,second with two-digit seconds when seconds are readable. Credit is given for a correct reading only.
8,58
